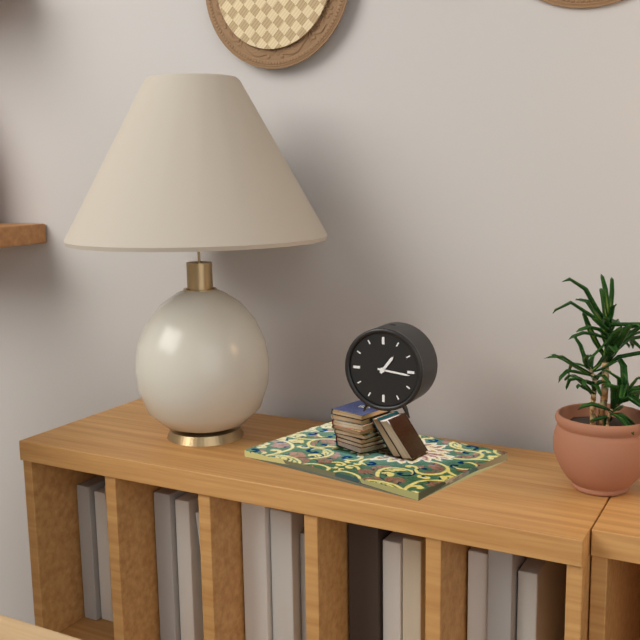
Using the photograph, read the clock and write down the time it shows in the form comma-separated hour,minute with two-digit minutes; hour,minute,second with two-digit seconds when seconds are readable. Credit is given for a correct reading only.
1,16
